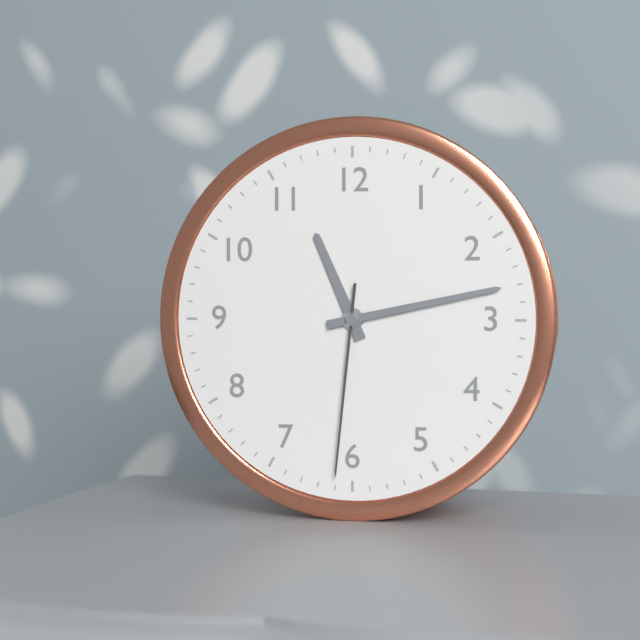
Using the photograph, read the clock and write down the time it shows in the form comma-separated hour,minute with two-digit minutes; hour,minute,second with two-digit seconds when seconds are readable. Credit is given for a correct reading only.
11,13,31
